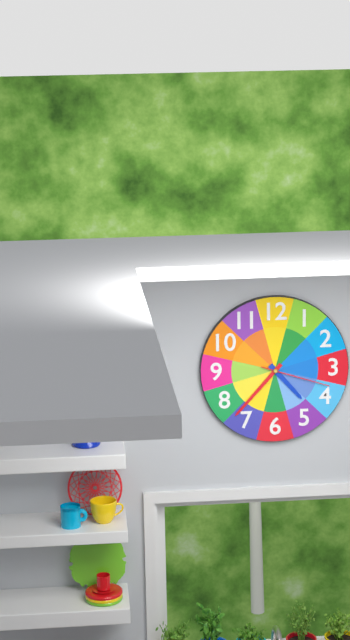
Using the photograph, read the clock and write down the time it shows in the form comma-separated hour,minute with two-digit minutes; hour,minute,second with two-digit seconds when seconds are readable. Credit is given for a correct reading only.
4,37,18
